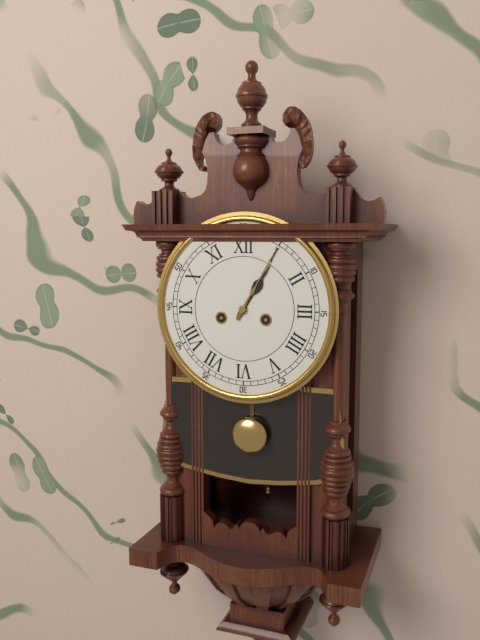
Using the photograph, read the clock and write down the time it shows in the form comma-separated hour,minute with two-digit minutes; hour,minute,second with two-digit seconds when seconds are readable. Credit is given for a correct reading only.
1,05
